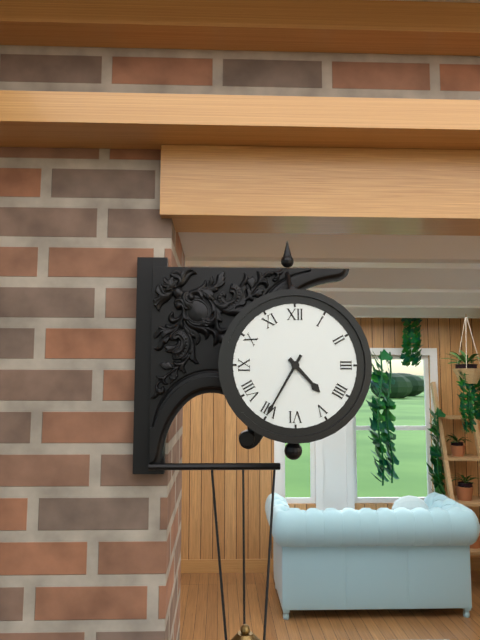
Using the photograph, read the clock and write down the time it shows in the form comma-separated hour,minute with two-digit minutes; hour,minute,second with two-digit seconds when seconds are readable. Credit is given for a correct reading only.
4,35
